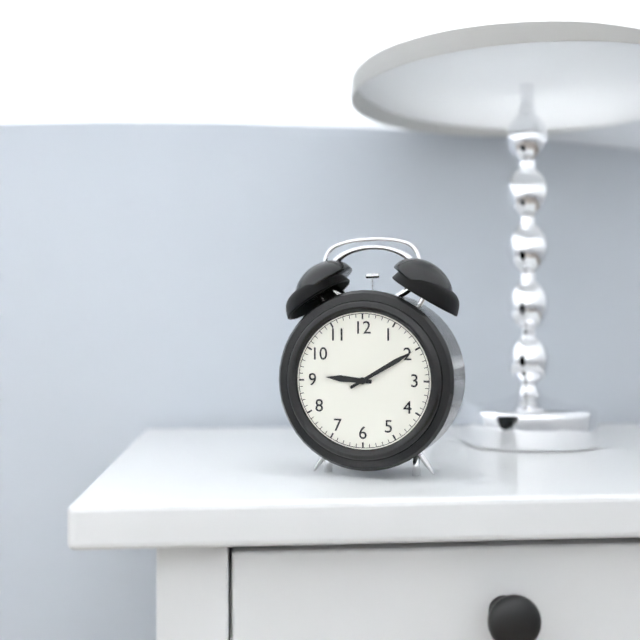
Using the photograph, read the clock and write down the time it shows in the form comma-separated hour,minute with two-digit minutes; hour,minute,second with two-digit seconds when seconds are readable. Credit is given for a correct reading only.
9,10
